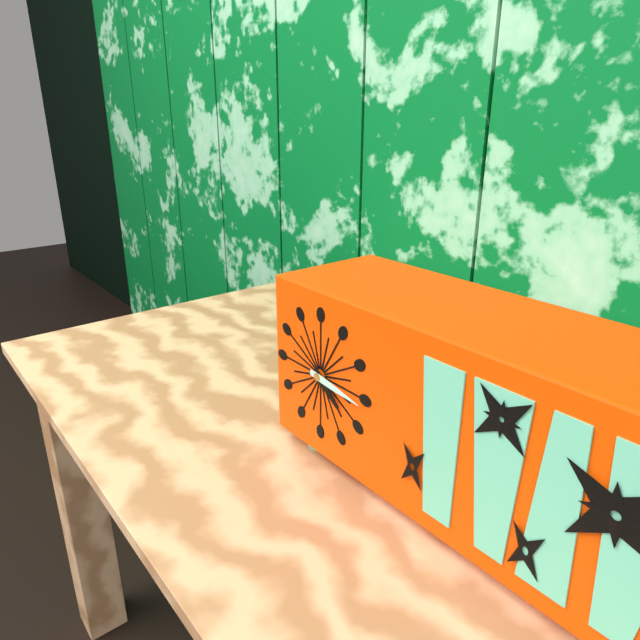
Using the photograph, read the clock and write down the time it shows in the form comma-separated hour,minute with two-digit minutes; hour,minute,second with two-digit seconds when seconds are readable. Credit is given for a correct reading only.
4,16
